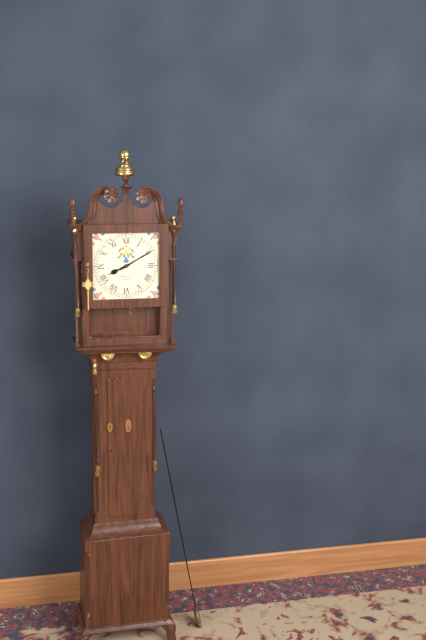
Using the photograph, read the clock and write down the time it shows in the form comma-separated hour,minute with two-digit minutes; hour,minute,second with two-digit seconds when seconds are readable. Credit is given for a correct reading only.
8,10
